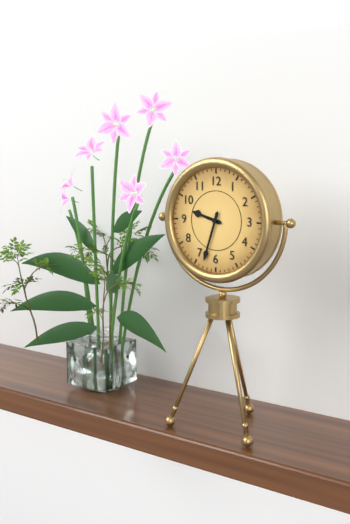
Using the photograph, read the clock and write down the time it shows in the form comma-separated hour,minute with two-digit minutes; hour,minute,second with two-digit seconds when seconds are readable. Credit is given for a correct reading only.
9,33
